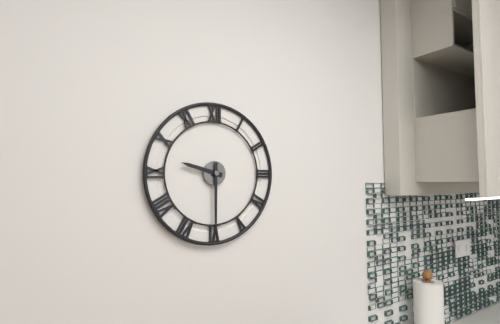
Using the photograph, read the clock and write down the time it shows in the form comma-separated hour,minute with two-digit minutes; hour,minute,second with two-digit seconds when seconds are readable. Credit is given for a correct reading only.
9,30
